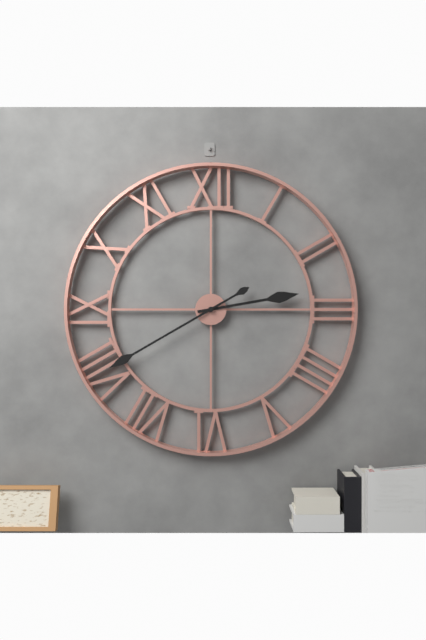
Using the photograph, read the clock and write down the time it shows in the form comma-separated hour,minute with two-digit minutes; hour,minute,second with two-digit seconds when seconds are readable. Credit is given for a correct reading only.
2,40
